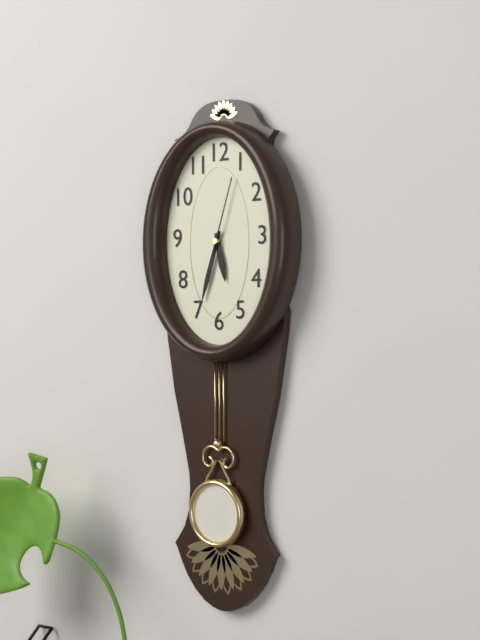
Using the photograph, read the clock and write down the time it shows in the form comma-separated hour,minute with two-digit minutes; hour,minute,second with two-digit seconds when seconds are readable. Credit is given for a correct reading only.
5,33,03
